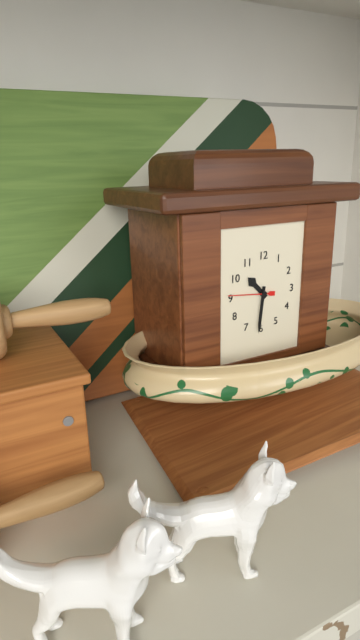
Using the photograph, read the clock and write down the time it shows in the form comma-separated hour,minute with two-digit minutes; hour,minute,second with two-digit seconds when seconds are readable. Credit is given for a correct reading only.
10,31
